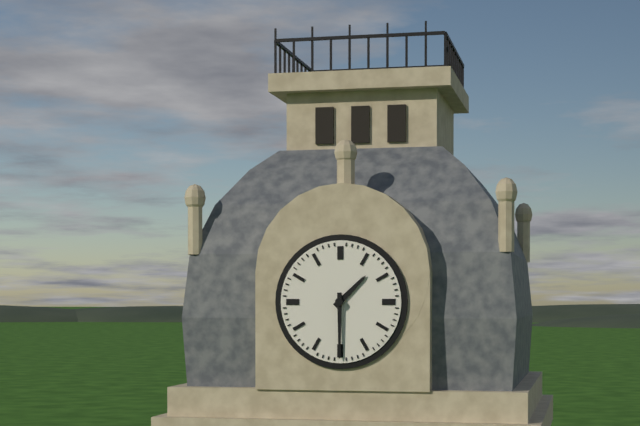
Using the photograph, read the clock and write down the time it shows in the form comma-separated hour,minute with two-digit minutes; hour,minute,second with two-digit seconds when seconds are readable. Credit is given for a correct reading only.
1,30
